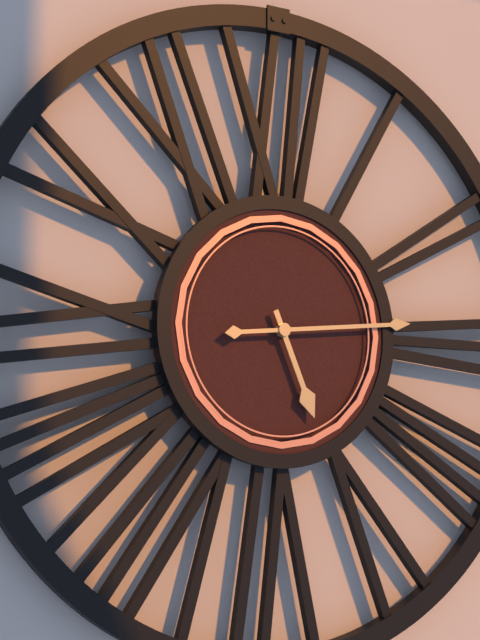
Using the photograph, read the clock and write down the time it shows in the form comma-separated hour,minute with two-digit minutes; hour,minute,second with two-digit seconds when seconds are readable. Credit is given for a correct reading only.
5,14
